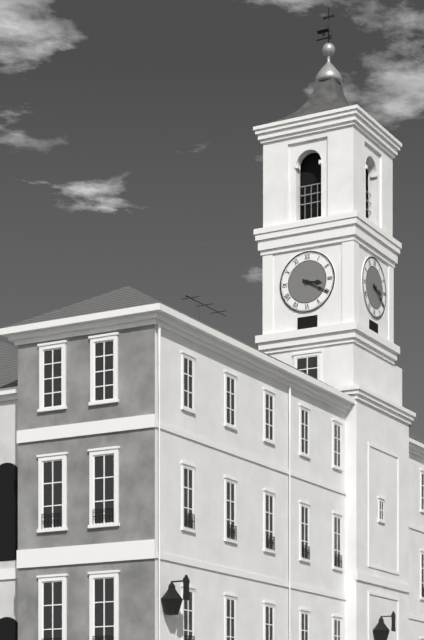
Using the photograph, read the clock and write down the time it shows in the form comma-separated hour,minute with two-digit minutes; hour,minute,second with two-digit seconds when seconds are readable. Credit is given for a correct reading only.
3,20
